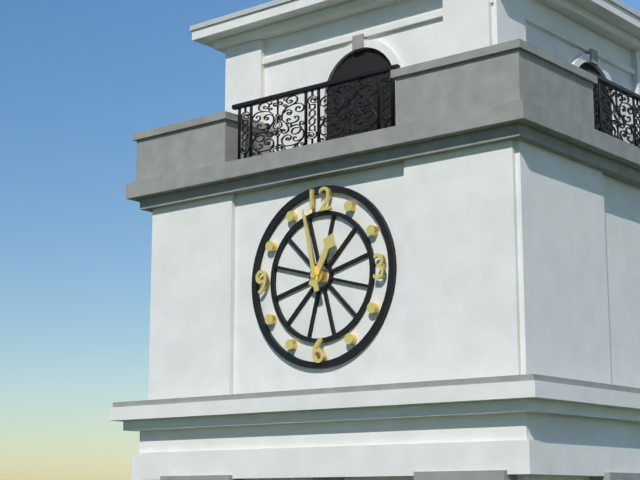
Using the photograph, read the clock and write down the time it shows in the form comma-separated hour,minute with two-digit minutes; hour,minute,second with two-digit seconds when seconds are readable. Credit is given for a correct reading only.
12,58
